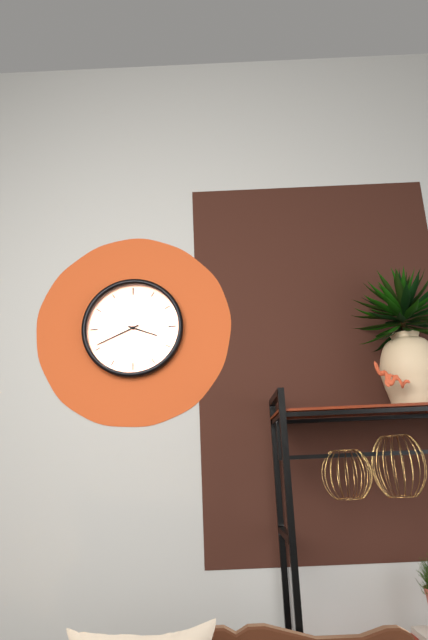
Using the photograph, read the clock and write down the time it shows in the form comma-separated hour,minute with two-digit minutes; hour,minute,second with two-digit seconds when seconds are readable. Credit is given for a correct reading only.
3,41
